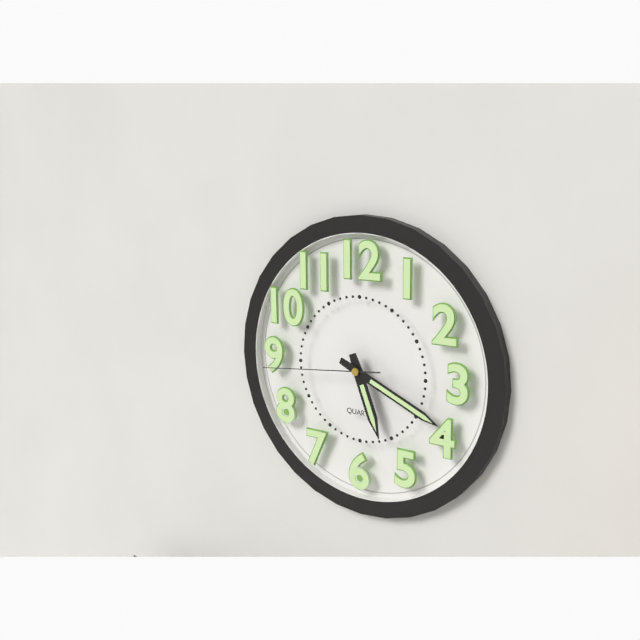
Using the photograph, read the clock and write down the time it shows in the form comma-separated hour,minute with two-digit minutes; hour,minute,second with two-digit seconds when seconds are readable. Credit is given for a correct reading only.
5,19,44
